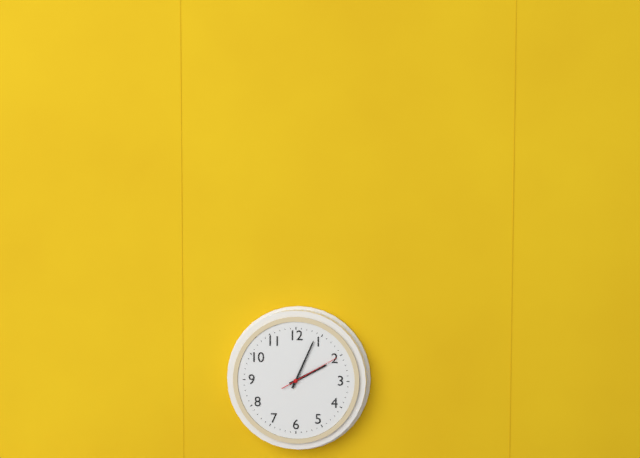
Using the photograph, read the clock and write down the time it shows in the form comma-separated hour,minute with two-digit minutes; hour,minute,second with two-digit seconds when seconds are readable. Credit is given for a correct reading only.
2,04,10
